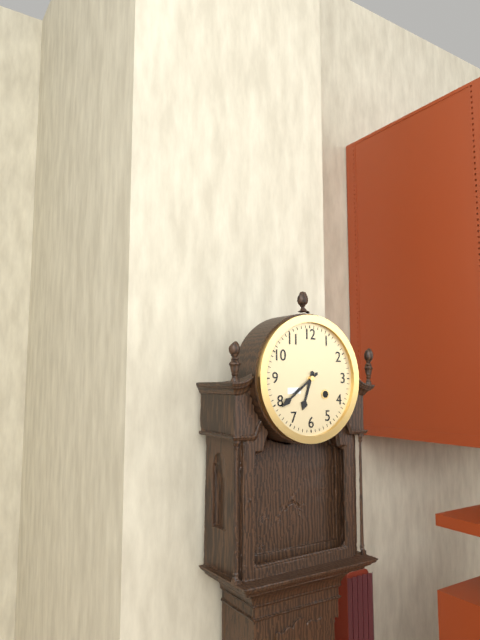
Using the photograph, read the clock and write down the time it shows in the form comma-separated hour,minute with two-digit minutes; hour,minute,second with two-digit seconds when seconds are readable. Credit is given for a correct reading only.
6,39
